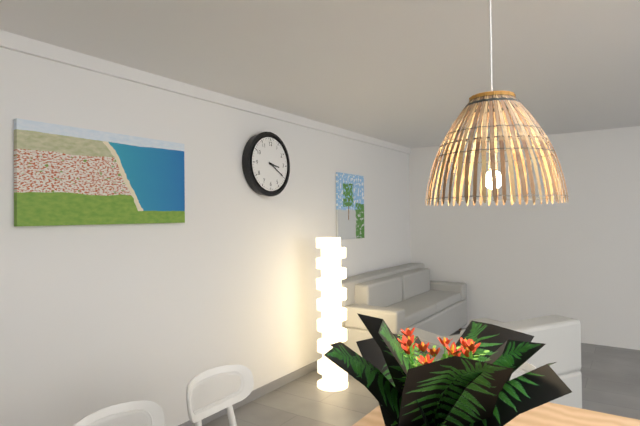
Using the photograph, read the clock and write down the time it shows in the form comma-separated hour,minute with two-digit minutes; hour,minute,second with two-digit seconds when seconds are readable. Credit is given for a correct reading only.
3,20
